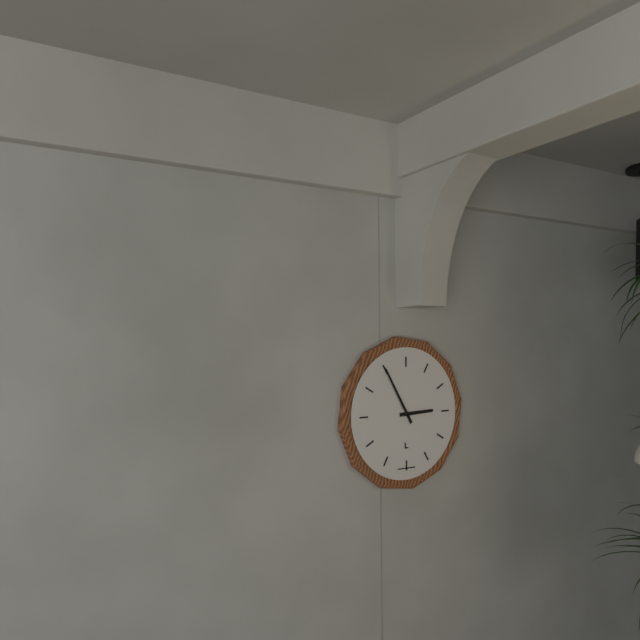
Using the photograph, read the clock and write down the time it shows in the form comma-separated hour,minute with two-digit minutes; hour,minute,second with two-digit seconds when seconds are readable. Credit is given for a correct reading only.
2,55
